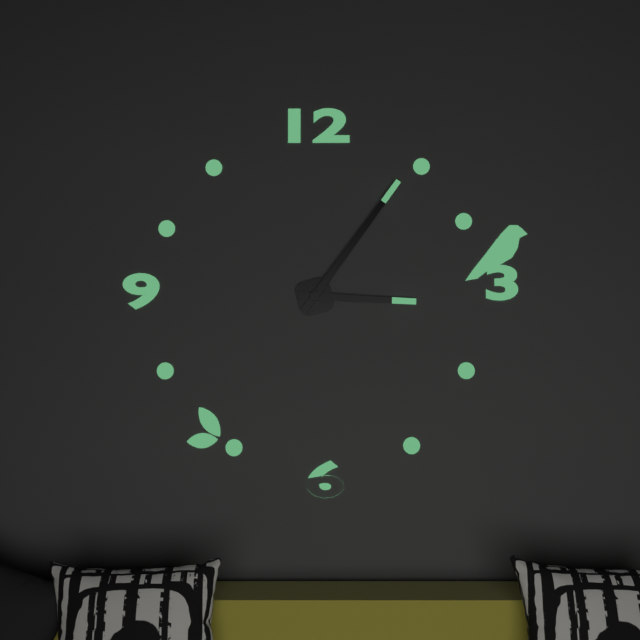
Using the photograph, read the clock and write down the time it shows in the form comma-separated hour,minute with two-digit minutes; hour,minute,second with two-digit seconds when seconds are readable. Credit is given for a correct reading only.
3,06
